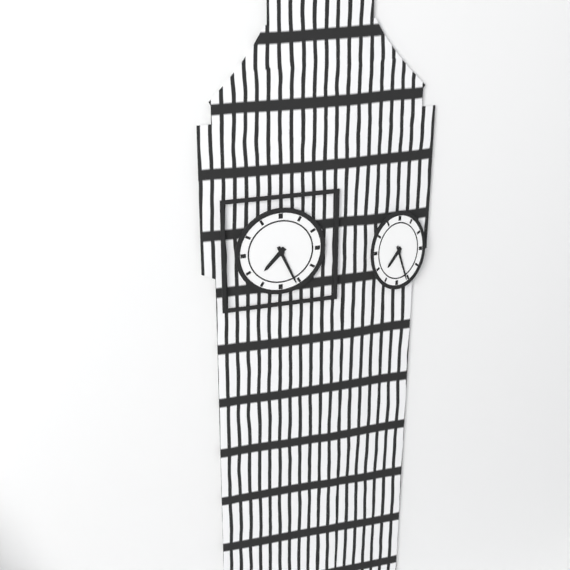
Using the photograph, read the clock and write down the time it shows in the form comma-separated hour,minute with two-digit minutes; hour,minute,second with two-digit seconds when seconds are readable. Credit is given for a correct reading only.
7,26
